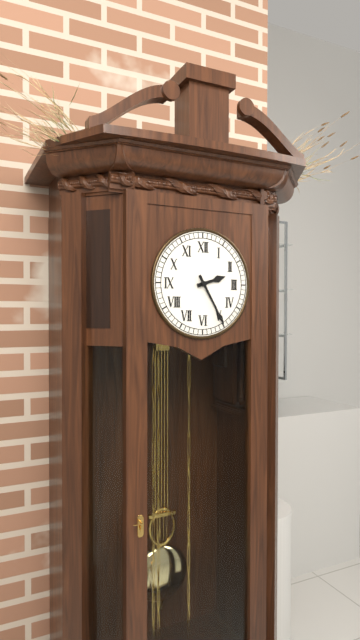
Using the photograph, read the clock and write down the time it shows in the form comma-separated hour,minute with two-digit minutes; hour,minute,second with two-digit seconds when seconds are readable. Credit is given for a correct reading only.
2,25
